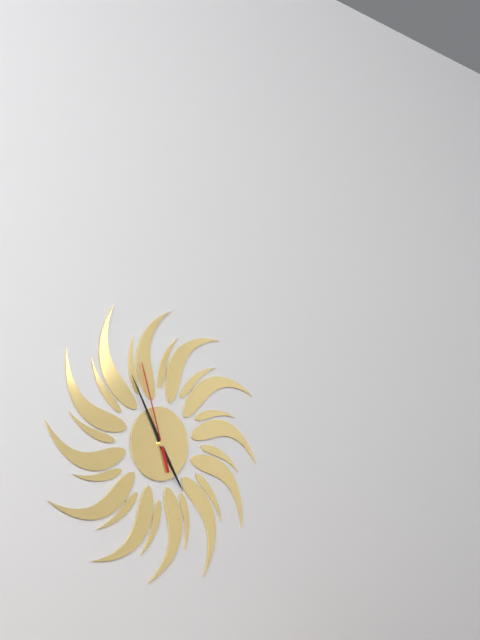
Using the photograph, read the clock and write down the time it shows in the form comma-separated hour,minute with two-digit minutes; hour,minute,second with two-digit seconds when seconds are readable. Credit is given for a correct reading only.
4,55,57
